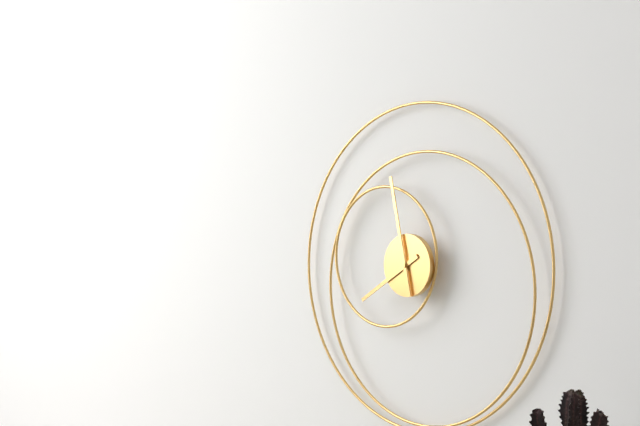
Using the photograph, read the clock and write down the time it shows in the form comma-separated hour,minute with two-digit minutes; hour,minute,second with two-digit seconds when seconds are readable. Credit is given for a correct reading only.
7,58
